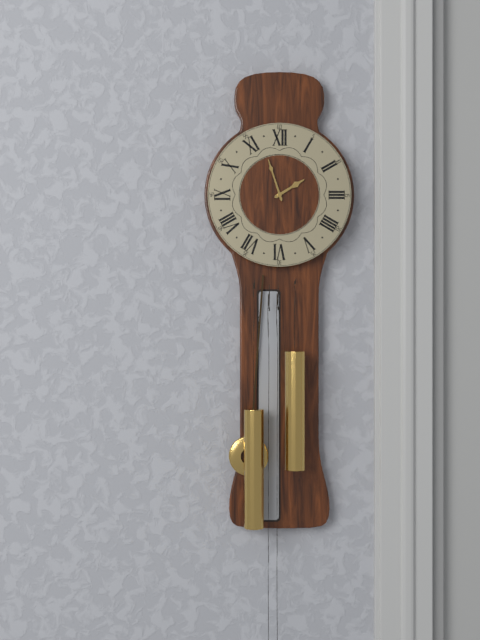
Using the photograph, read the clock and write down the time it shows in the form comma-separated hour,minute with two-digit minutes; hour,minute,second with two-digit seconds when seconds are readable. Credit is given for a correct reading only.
1,57
